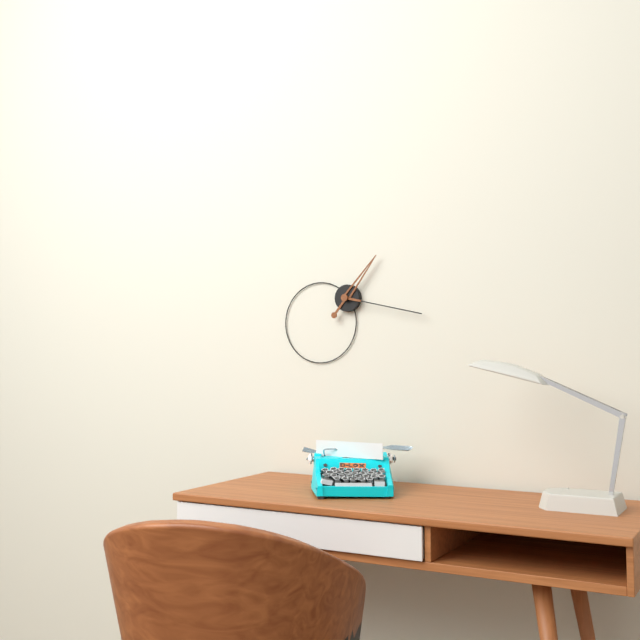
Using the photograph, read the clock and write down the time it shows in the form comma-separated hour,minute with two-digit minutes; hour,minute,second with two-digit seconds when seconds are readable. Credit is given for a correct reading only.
1,17
